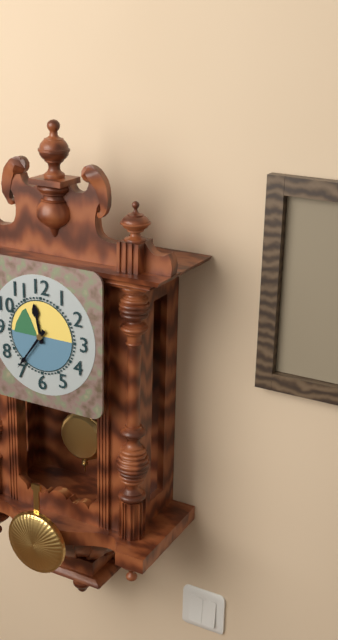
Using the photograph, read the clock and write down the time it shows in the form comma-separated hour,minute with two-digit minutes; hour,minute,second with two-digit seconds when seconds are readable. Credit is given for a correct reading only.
11,36
